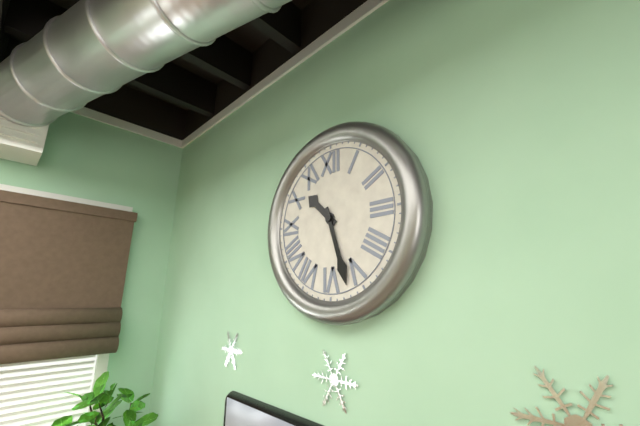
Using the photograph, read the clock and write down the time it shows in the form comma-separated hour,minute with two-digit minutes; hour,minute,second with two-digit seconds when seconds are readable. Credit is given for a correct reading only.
10,27
